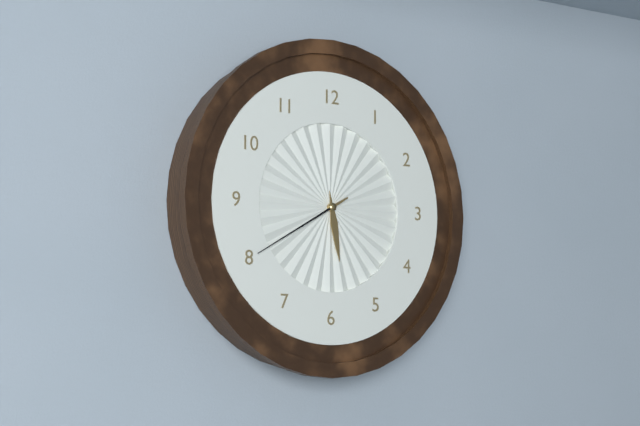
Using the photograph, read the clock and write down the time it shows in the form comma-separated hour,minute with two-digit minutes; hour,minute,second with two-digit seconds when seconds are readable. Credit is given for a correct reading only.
5,40
